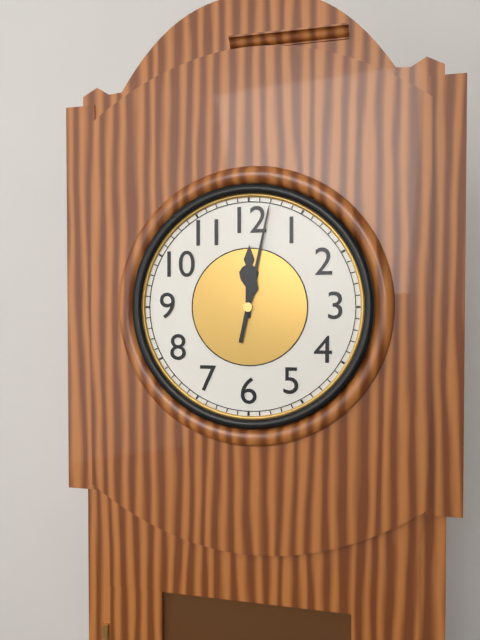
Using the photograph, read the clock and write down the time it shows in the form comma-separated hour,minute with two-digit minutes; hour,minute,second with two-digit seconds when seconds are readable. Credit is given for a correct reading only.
12,02
